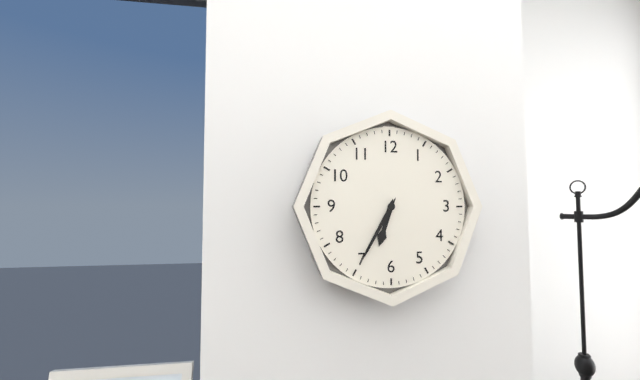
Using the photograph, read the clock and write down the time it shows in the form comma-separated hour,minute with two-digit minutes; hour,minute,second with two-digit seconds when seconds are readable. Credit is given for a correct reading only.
6,35
